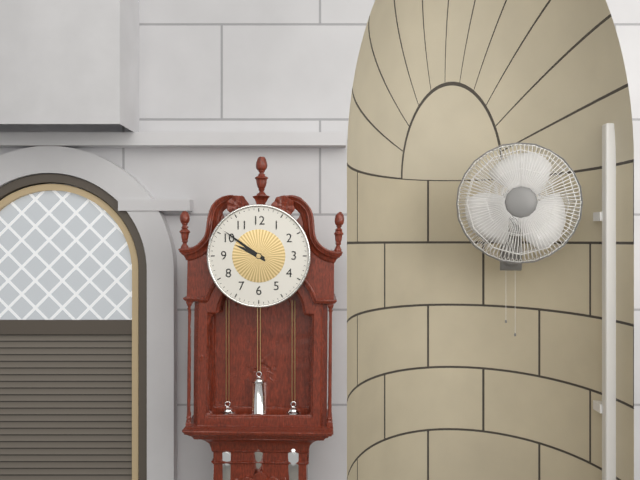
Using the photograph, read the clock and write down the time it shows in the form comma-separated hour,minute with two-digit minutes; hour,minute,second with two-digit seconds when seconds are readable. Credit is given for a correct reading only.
9,51
